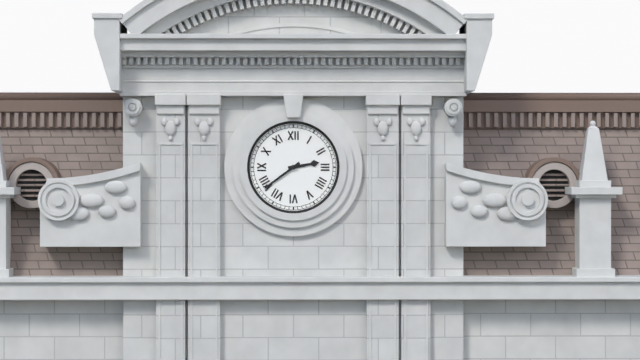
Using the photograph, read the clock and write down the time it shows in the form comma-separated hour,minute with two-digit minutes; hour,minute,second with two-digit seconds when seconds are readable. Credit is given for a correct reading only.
2,39
